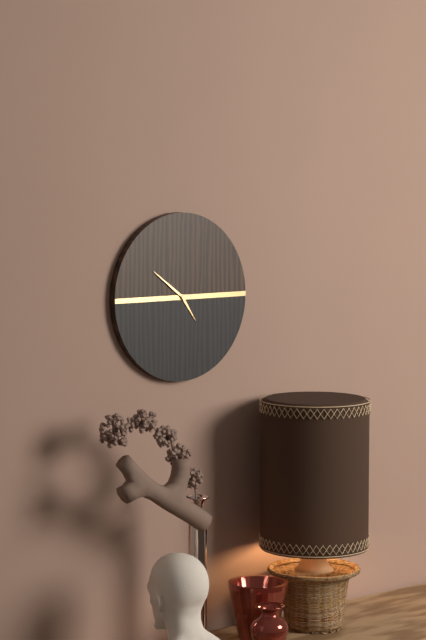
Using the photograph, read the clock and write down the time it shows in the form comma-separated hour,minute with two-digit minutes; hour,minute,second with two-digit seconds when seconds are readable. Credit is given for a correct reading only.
4,51
